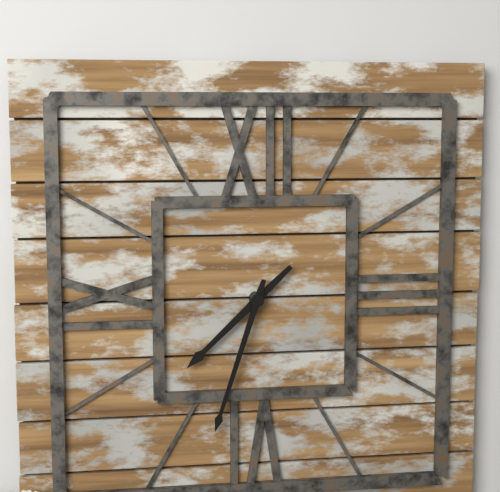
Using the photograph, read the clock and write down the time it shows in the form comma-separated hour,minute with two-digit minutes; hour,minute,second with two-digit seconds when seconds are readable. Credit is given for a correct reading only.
7,33
